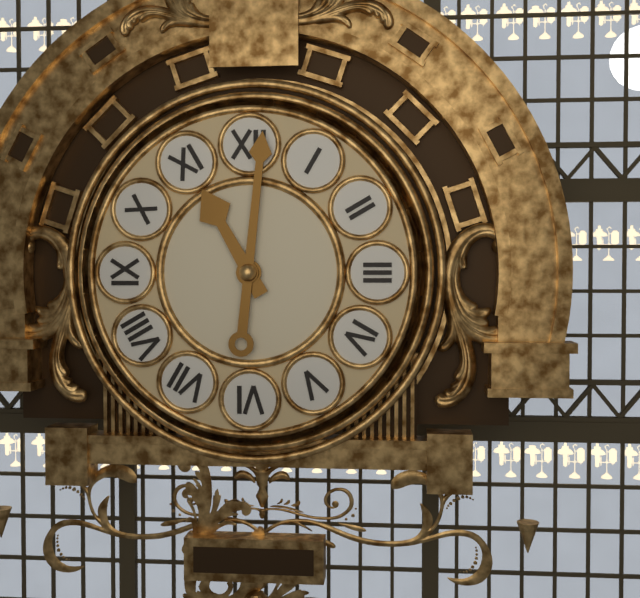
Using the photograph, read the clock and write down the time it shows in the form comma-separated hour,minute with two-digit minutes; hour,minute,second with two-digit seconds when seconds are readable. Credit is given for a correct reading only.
11,01
